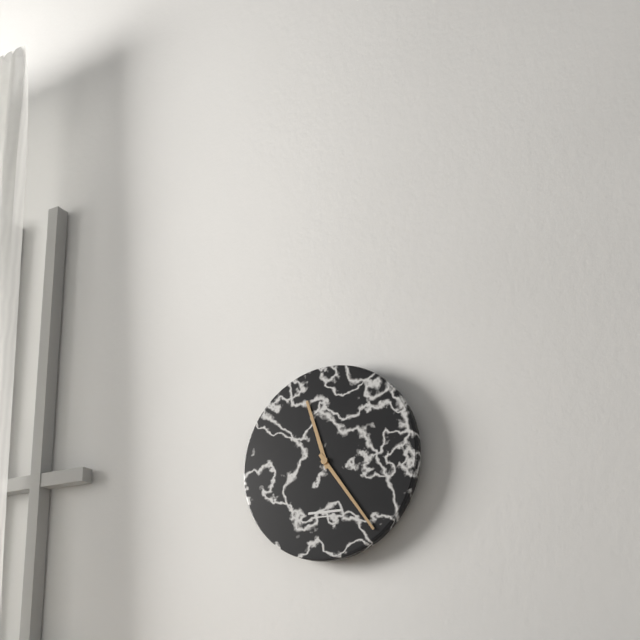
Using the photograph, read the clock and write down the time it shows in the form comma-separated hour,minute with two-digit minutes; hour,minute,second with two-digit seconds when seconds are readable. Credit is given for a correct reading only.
11,24
